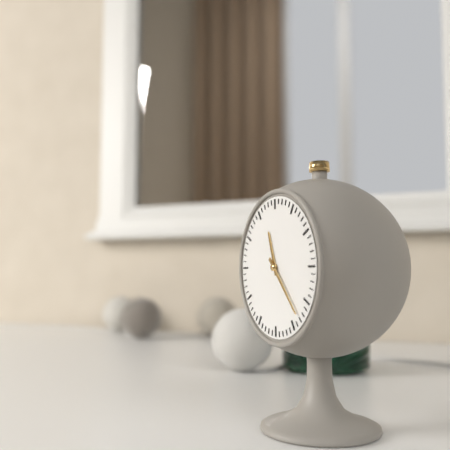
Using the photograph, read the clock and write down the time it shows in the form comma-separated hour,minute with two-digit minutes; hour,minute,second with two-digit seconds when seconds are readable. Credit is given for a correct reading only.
11,23
